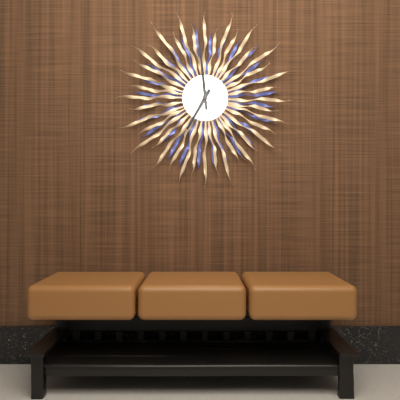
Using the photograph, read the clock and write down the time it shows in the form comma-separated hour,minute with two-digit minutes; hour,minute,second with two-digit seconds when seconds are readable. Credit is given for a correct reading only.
6,59
